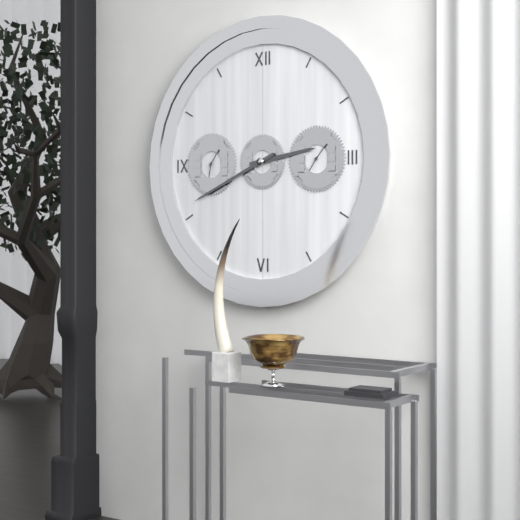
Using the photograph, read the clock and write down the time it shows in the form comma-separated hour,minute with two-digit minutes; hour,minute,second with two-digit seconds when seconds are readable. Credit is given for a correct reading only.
2,41
